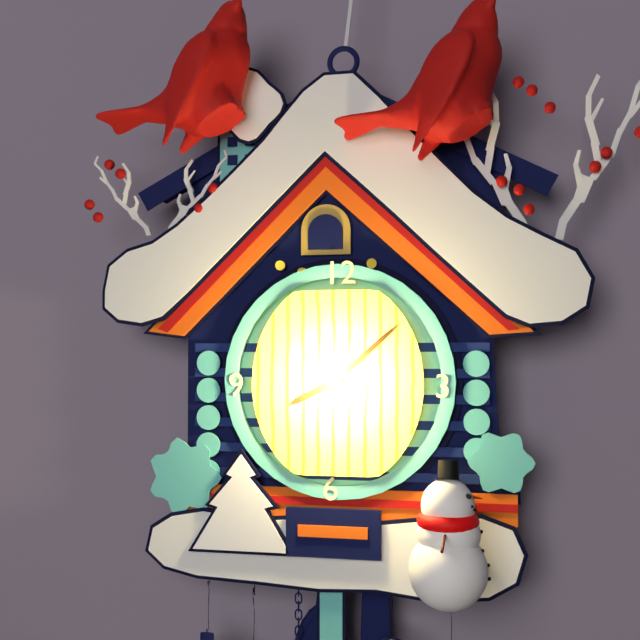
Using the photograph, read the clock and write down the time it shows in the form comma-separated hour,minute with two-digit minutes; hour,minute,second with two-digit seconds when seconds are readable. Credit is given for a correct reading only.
8,08
